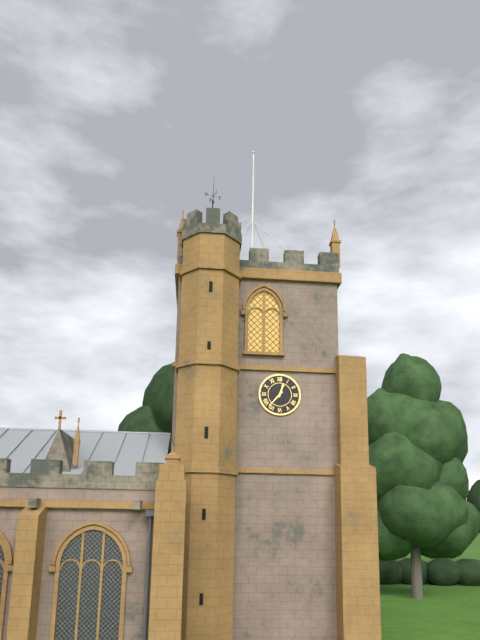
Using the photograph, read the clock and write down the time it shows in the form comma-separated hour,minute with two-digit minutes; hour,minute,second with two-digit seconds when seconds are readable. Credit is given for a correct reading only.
12,37
